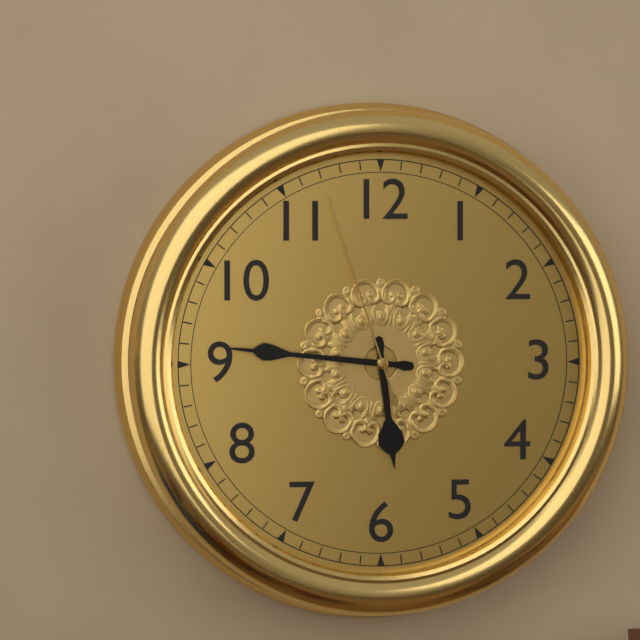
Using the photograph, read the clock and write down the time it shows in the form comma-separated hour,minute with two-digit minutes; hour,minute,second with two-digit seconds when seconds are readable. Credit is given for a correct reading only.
5,46,57
